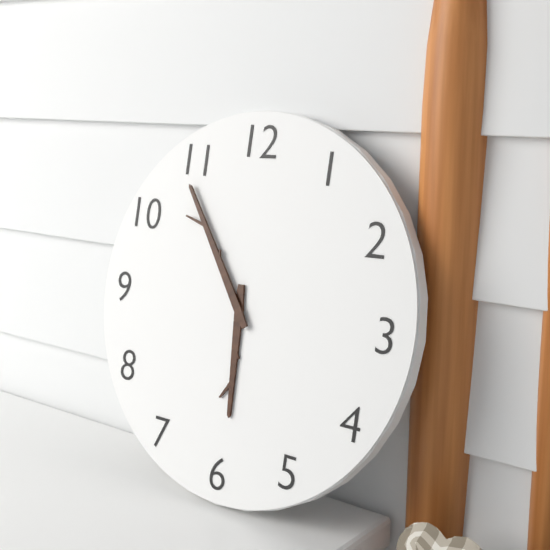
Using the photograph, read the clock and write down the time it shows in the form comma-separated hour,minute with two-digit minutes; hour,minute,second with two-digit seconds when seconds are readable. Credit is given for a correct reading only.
5,54
